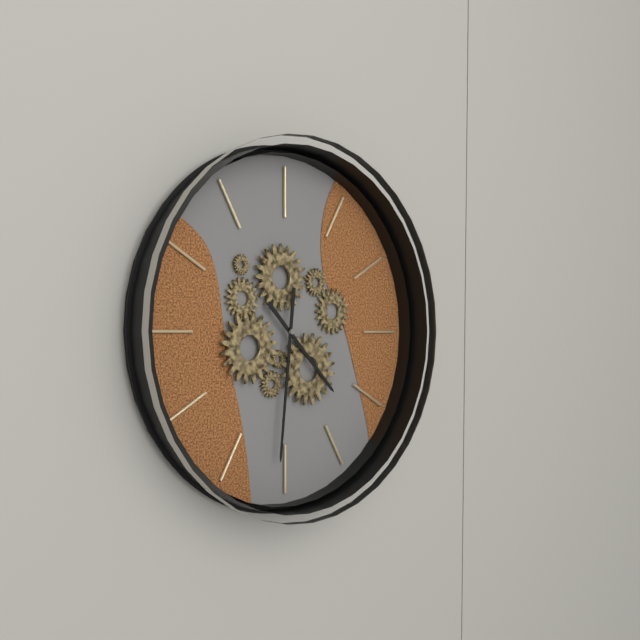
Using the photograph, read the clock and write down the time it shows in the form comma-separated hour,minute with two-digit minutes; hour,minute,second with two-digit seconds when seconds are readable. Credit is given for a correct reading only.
4,31
